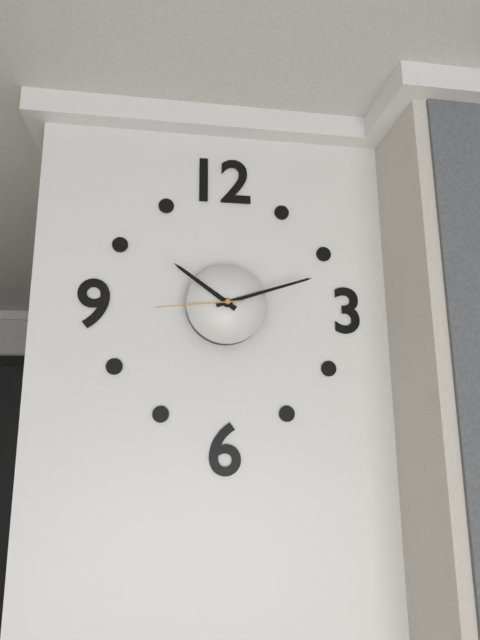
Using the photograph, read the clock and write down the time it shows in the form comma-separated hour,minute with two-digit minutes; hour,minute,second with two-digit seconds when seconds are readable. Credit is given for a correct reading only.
10,12,44
